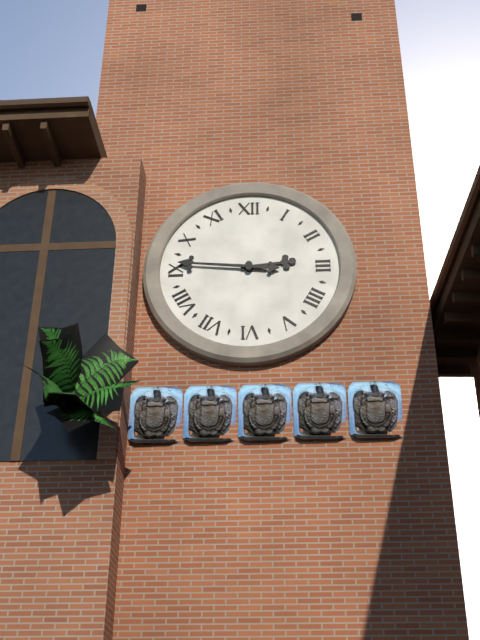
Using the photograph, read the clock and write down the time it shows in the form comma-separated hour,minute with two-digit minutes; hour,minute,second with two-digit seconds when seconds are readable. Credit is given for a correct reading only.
2,46
